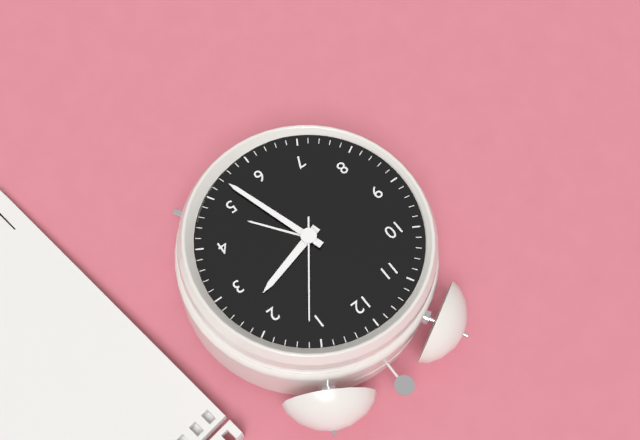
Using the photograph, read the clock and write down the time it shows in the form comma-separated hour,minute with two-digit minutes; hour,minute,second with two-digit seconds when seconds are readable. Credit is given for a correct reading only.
2,27,06
